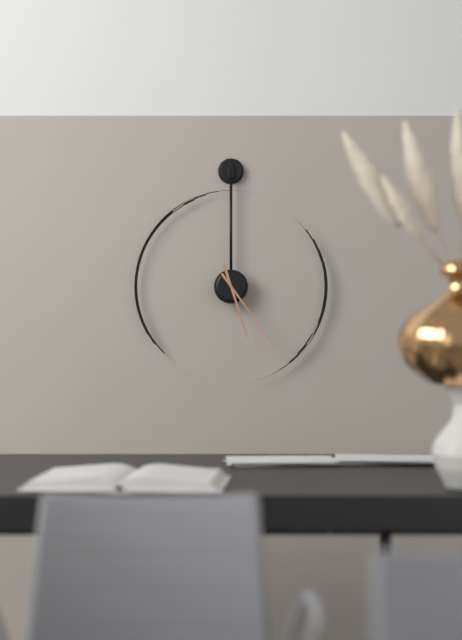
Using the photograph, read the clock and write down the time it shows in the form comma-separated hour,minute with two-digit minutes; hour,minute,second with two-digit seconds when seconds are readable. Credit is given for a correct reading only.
5,24
